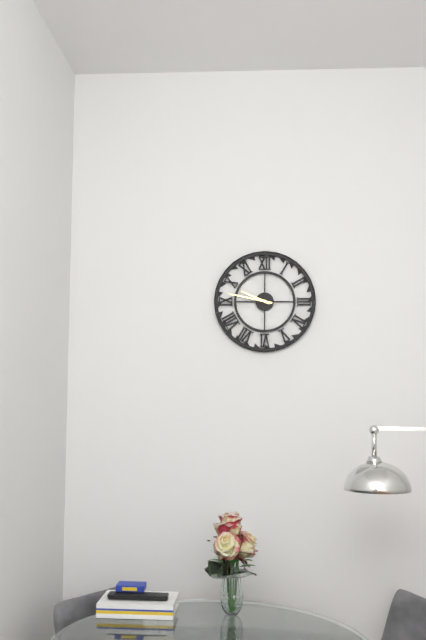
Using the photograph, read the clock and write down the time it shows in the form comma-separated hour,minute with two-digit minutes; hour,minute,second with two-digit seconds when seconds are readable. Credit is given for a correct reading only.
9,47
